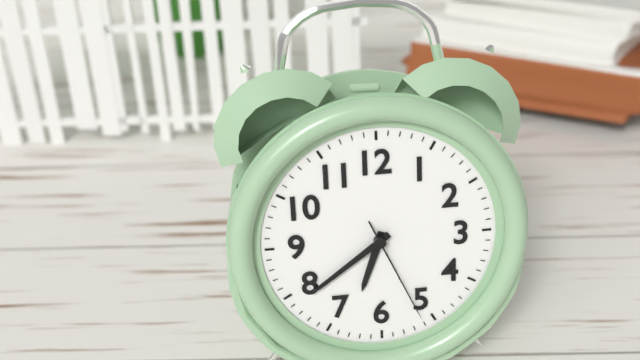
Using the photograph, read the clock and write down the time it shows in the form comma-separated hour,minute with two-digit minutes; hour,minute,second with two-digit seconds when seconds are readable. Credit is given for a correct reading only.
6,39,26
